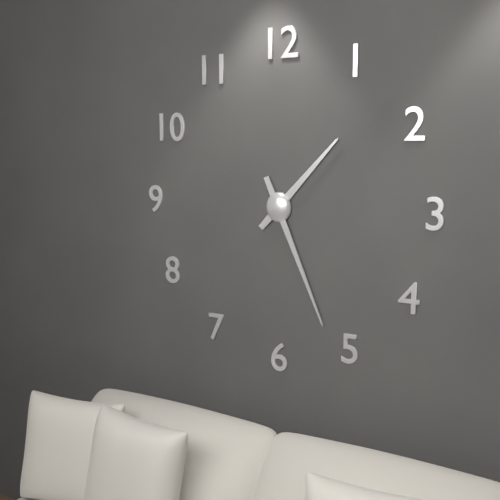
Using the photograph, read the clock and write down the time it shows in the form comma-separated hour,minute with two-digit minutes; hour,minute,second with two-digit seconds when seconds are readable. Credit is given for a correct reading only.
1,26
